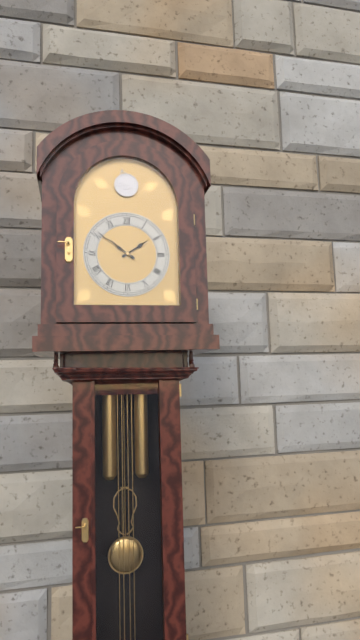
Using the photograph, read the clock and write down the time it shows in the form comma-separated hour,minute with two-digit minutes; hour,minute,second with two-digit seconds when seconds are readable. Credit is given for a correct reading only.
1,51
